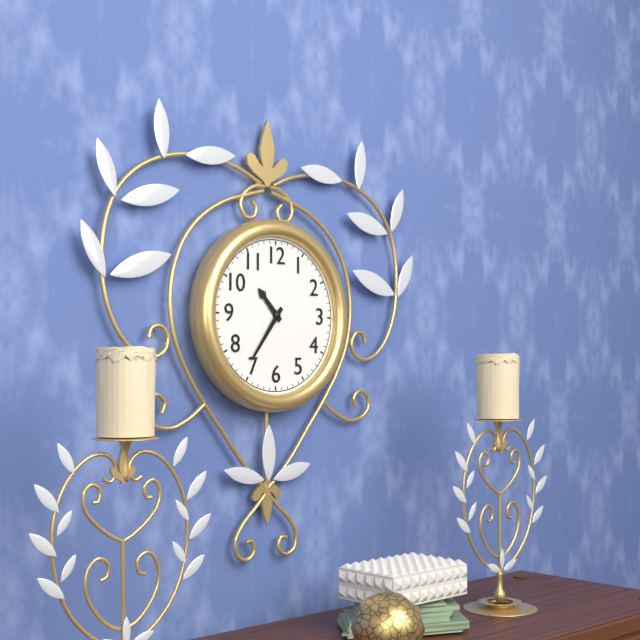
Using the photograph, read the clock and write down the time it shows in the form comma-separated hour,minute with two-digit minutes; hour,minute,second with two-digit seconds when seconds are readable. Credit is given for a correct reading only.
10,36
